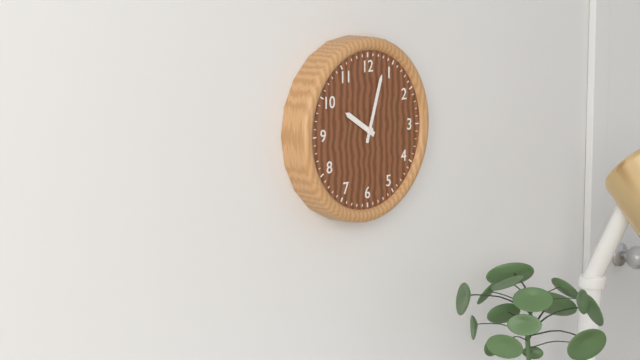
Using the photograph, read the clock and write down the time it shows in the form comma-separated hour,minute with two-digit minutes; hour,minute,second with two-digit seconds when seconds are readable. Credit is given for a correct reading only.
10,03
